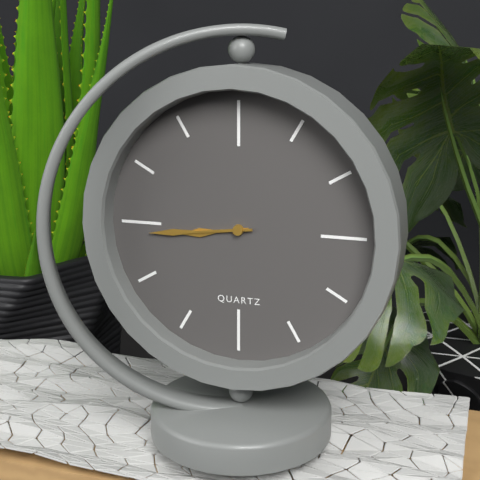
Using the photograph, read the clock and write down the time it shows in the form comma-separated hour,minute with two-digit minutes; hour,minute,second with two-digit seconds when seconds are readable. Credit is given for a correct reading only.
8,44
